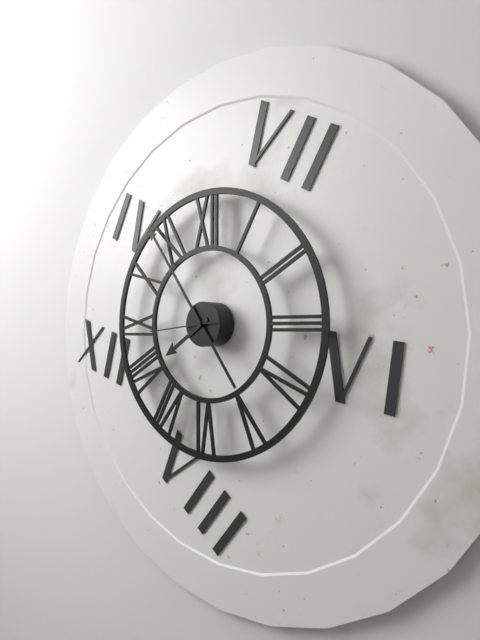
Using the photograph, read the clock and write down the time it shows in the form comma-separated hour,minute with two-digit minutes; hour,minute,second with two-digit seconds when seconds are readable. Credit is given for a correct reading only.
7,54,44
